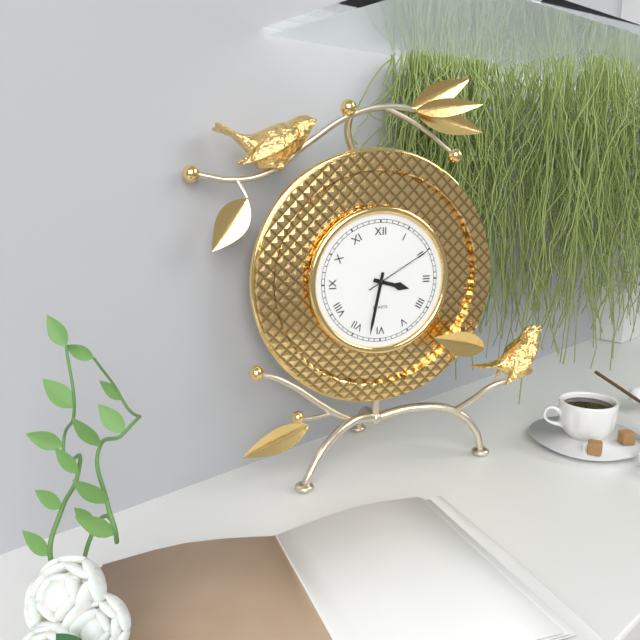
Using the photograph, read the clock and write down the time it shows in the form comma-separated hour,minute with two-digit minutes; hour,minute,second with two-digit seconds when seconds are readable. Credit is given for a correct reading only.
3,32,10
